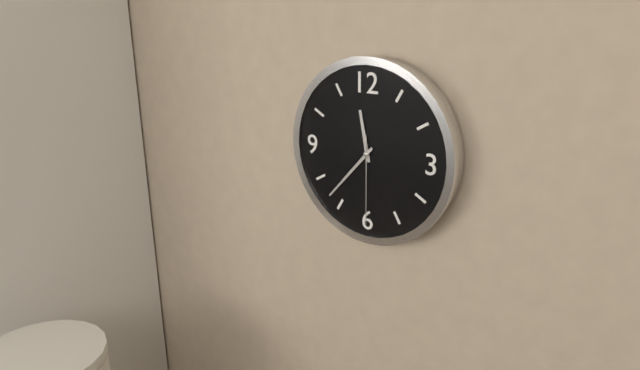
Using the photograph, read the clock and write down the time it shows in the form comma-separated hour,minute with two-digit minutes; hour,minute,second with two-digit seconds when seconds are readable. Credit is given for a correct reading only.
11,37,30
